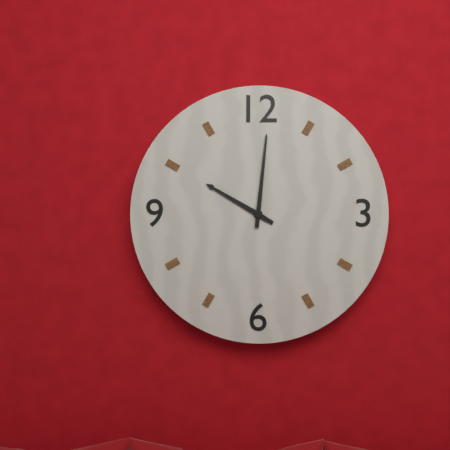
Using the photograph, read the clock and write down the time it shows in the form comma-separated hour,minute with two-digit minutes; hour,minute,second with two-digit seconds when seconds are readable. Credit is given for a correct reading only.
10,01
